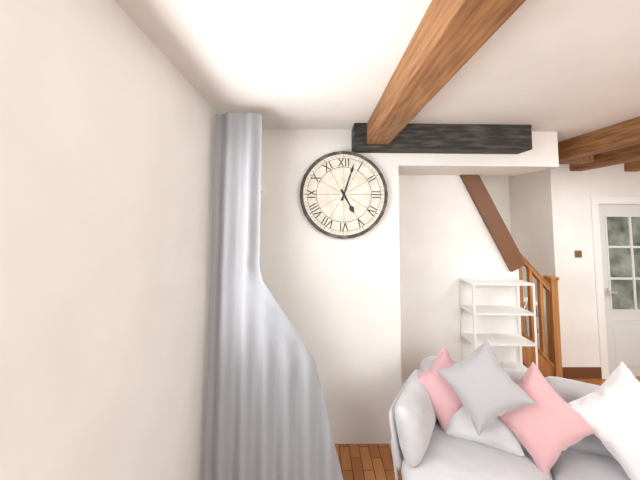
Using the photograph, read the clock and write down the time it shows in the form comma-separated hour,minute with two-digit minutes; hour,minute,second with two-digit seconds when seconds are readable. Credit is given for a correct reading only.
5,03
